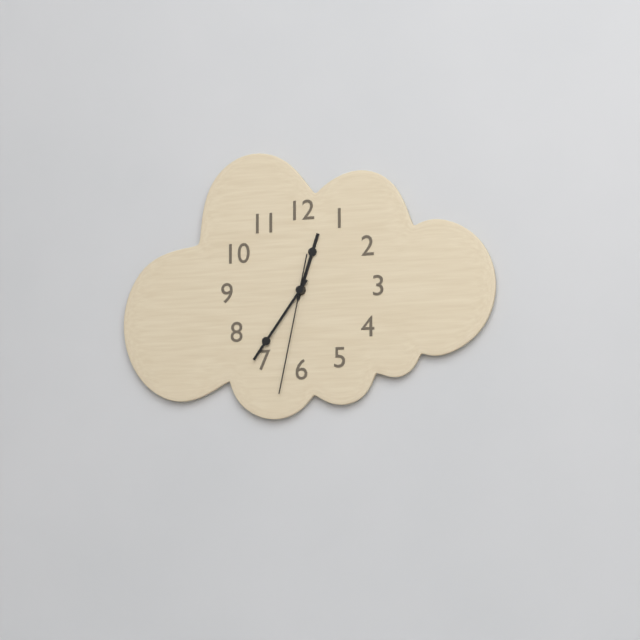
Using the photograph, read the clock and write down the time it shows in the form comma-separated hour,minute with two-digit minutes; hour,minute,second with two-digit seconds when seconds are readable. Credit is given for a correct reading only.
12,36,32
